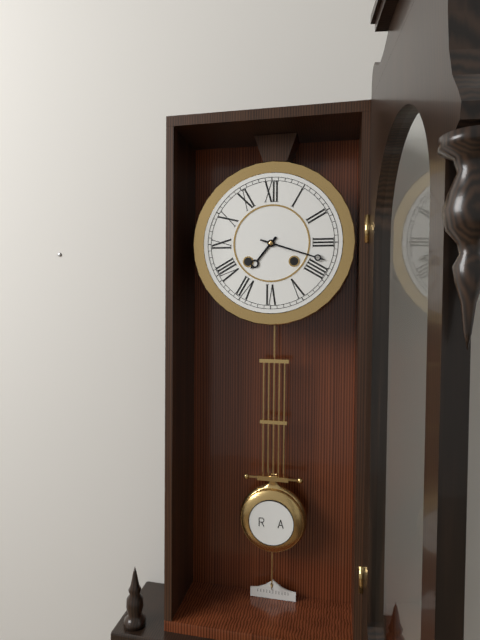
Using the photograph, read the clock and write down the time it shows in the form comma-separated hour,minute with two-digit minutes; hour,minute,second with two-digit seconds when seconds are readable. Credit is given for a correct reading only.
7,18
